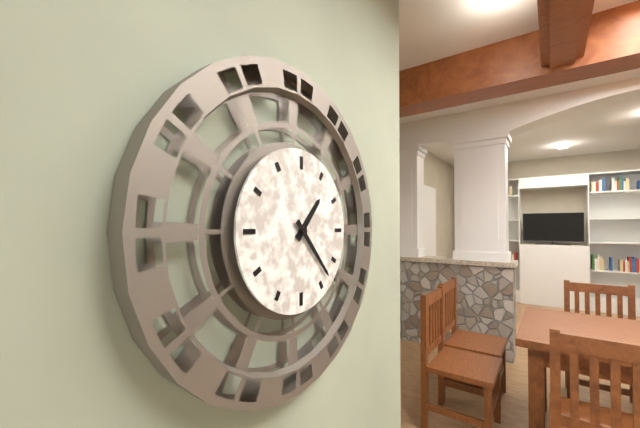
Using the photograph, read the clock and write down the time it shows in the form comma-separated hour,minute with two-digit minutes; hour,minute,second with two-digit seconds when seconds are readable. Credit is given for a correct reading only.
1,23
